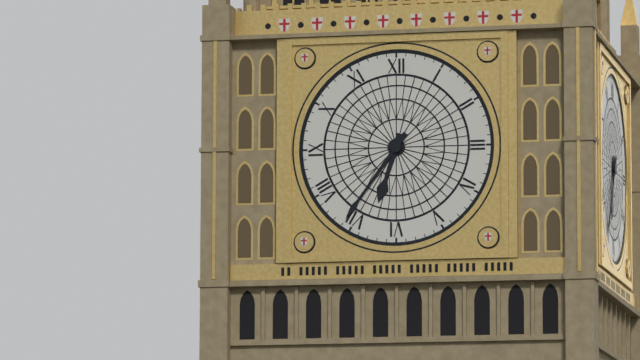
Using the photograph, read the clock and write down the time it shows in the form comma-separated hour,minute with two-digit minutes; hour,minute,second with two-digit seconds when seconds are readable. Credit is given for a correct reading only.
6,36
